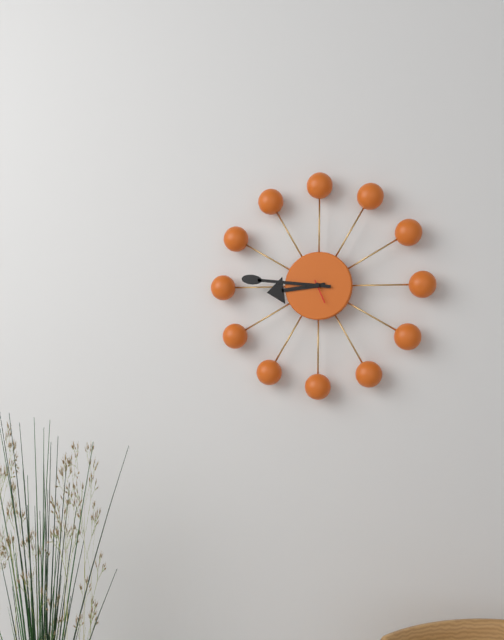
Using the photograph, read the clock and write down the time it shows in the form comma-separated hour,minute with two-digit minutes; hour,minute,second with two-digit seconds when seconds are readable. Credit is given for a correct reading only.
8,46
